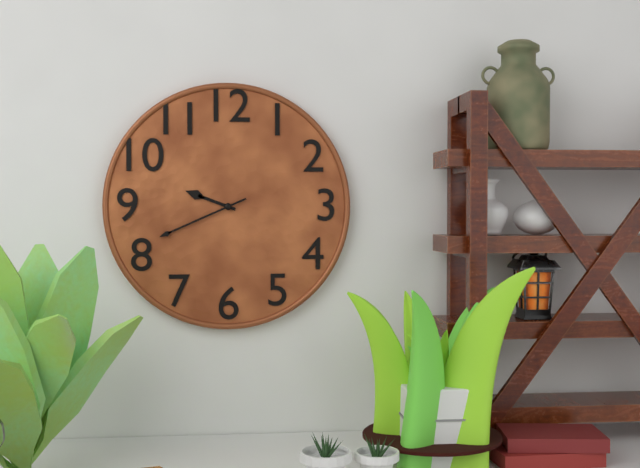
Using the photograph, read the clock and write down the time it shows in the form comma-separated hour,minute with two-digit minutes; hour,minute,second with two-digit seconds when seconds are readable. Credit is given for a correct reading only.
9,41
